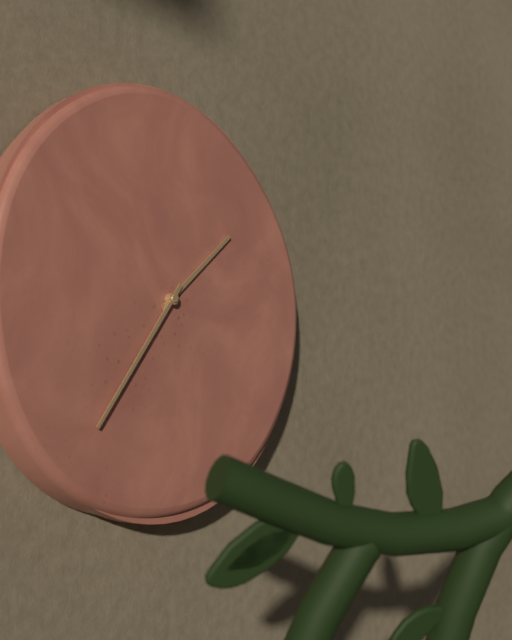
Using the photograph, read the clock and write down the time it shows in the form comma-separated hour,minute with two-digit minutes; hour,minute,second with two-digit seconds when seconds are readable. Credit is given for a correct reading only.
1,36
